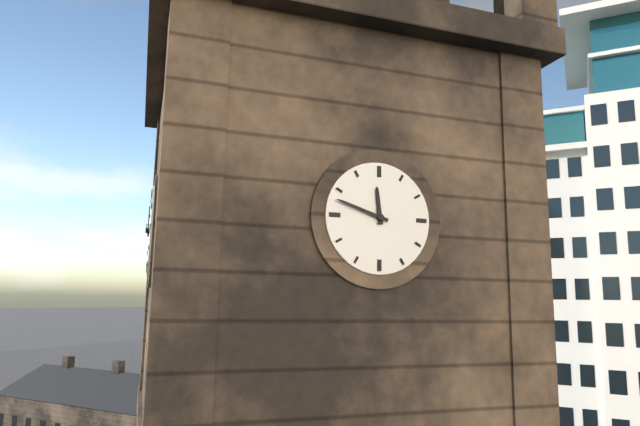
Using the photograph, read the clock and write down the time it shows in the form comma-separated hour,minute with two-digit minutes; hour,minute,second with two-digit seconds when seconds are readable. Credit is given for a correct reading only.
11,48
